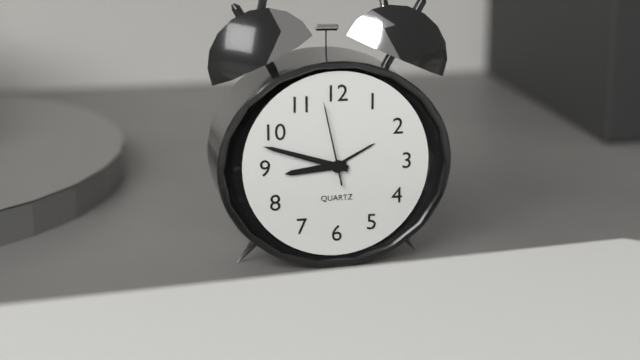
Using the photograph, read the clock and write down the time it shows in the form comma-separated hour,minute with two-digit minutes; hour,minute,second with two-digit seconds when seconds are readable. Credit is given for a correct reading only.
8,48,58
